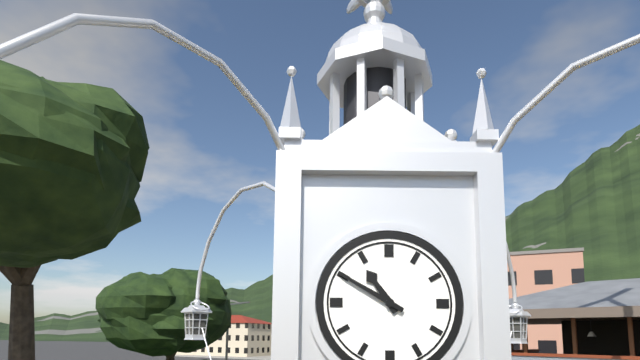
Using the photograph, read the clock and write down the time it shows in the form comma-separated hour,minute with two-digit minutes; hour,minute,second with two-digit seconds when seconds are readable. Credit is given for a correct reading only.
10,50
